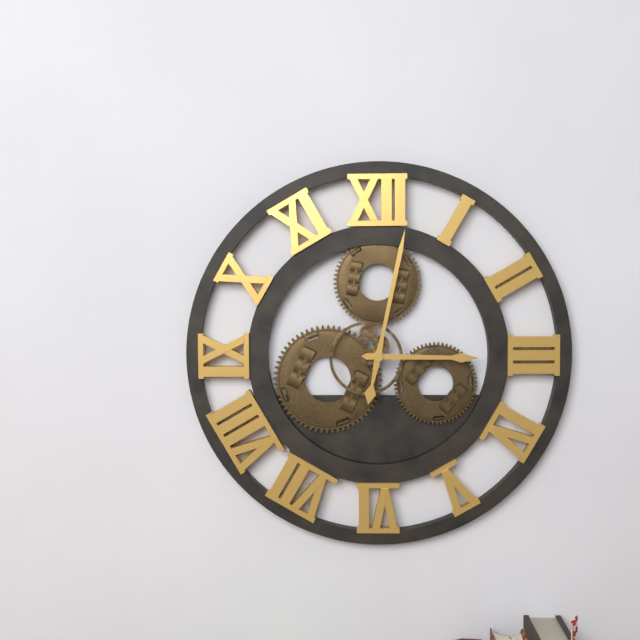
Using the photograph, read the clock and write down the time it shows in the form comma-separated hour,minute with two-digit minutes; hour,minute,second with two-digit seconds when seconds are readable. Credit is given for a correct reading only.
3,02
